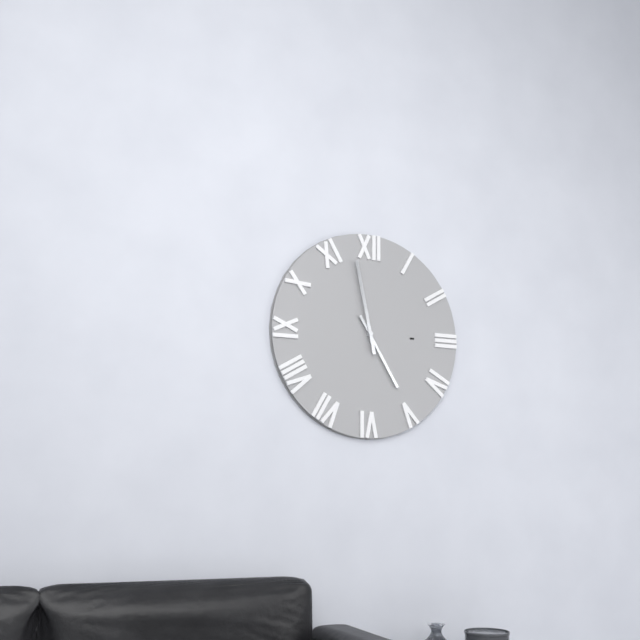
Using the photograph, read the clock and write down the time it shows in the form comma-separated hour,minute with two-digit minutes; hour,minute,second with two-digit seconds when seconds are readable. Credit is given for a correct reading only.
4,58
